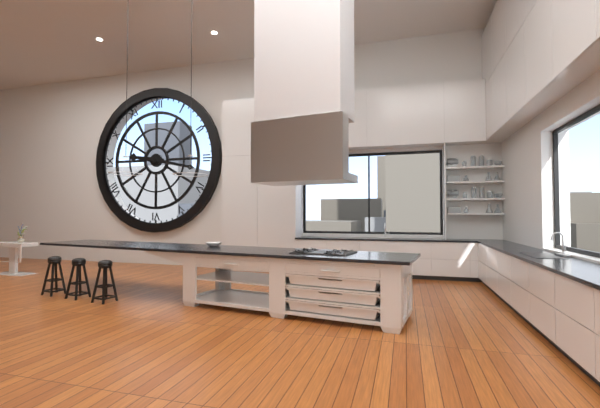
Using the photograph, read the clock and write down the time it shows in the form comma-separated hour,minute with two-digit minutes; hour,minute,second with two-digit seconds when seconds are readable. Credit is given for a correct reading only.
9,17
